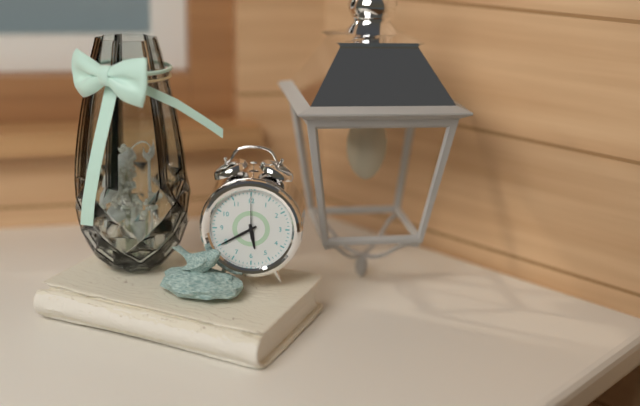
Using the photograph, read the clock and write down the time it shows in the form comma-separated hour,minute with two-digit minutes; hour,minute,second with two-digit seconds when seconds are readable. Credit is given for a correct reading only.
5,40
